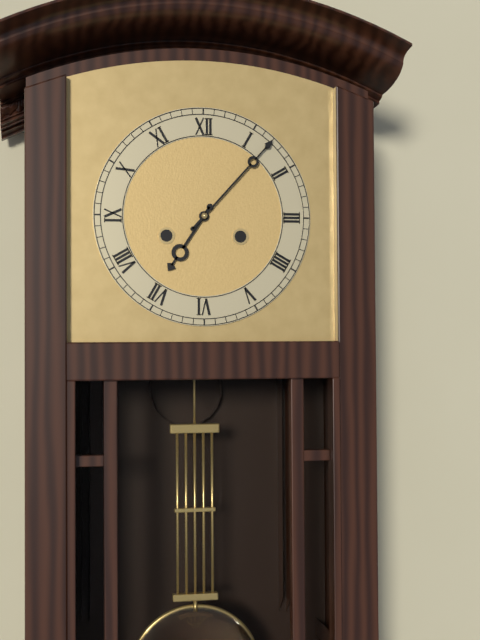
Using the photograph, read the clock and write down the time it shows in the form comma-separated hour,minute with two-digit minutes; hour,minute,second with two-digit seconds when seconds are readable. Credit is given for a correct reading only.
7,07
